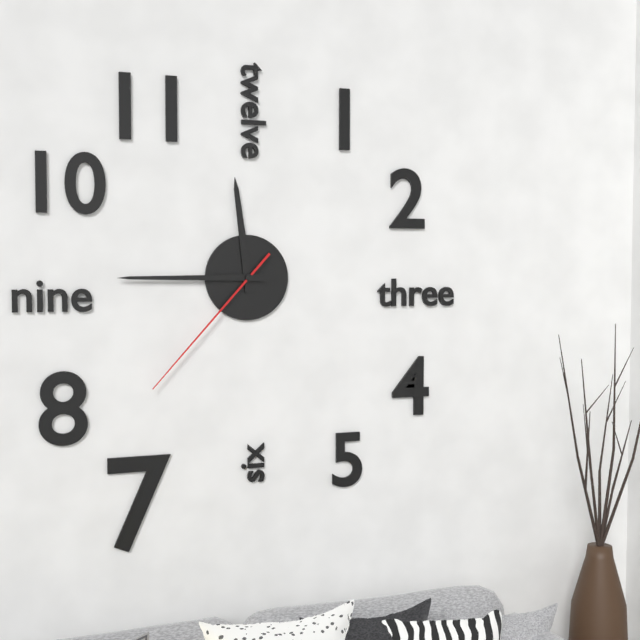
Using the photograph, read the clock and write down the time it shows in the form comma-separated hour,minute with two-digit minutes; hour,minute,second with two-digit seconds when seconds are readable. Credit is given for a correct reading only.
11,45,37
